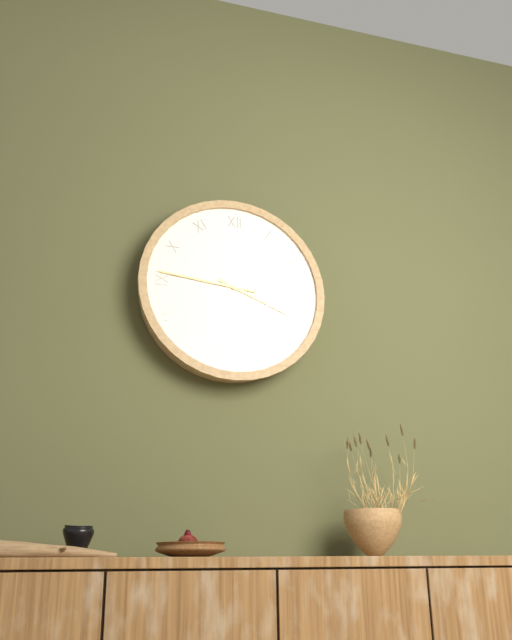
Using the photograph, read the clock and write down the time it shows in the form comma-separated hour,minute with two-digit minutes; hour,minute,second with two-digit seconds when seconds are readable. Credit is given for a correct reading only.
3,46
